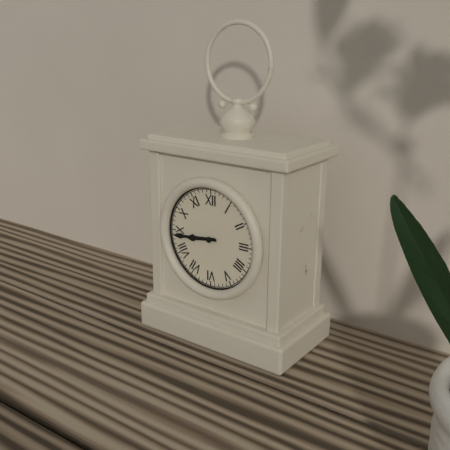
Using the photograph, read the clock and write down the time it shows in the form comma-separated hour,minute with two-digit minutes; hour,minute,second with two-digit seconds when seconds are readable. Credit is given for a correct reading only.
8,44
